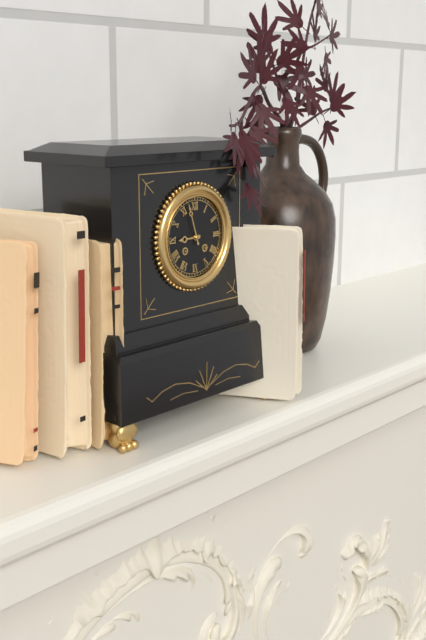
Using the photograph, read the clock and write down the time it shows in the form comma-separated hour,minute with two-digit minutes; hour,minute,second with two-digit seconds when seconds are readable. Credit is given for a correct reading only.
8,57
